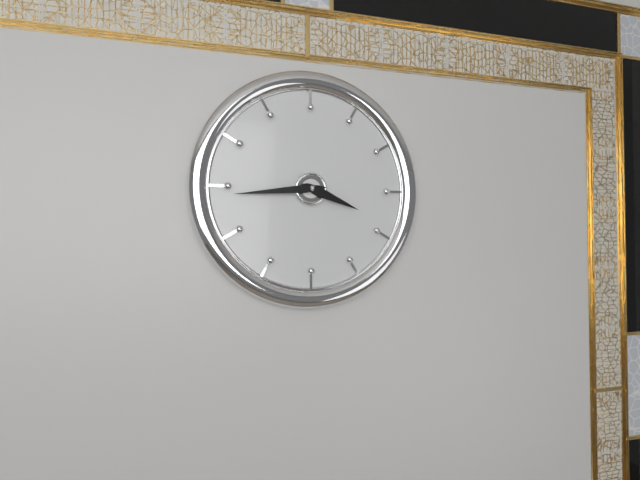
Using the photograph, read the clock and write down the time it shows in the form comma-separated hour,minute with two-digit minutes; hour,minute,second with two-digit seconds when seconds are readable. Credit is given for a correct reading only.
3,44
